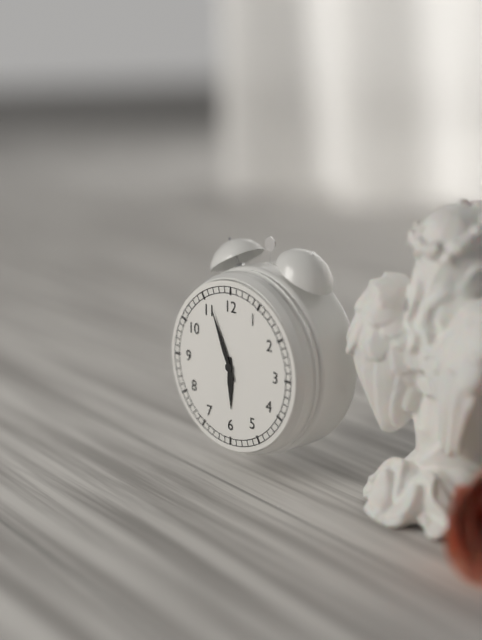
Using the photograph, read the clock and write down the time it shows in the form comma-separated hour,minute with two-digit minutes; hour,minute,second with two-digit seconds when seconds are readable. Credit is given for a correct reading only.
5,56
